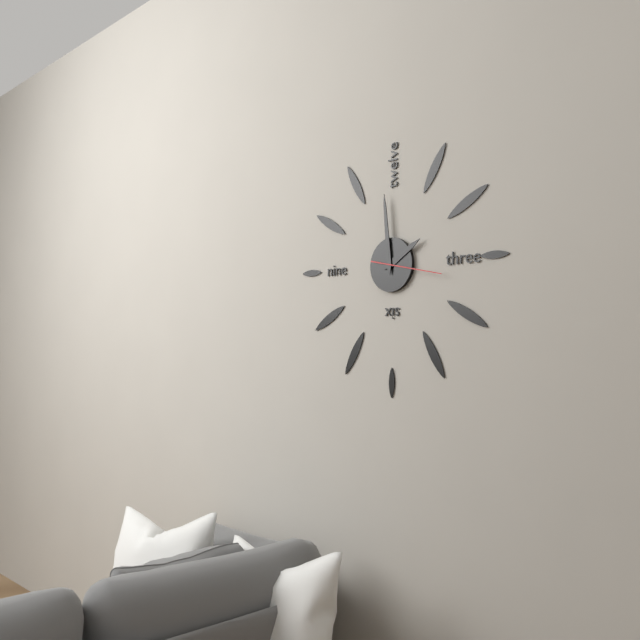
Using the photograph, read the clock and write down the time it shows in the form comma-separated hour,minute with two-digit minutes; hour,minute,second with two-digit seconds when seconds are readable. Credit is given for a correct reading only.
1,59,17
